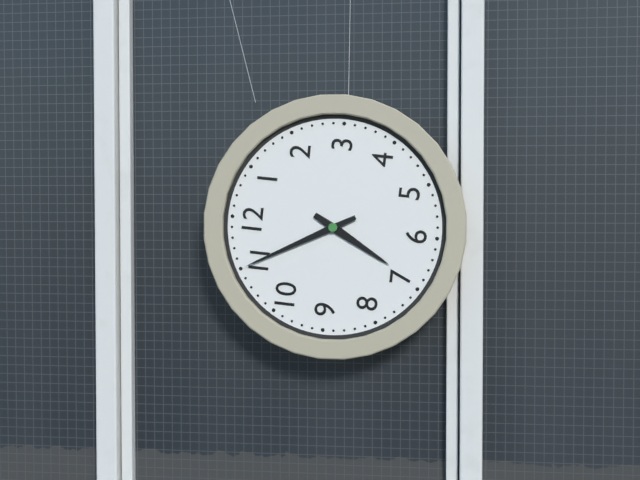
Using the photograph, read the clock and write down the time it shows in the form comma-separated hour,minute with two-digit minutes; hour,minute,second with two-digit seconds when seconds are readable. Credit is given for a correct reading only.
6,55
